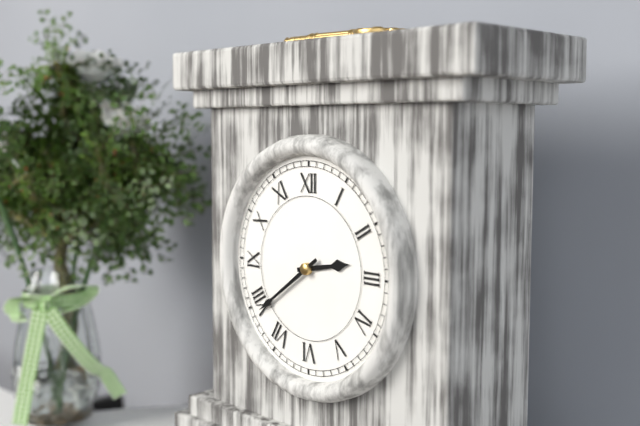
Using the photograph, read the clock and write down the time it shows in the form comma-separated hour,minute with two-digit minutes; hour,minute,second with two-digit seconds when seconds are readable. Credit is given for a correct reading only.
2,39
